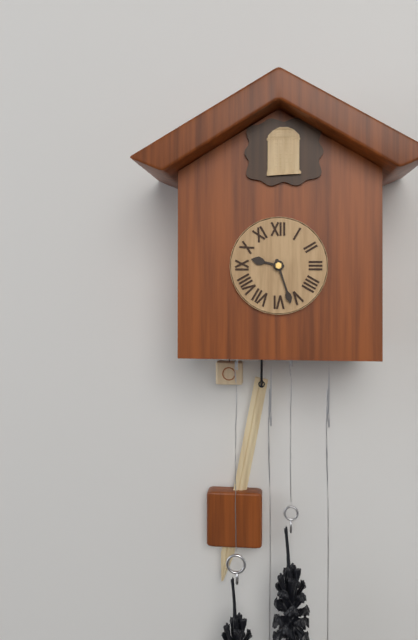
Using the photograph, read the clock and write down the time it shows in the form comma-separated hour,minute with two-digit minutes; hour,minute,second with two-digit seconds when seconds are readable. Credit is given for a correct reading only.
9,27
